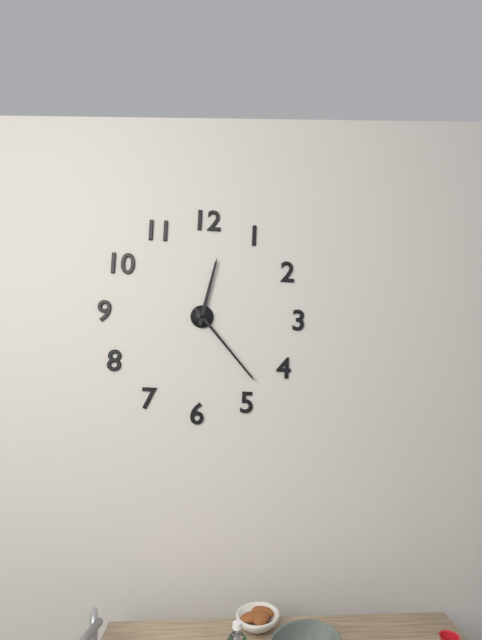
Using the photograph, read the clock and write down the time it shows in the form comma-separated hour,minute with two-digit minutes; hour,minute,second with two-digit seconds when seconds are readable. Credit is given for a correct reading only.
12,23
